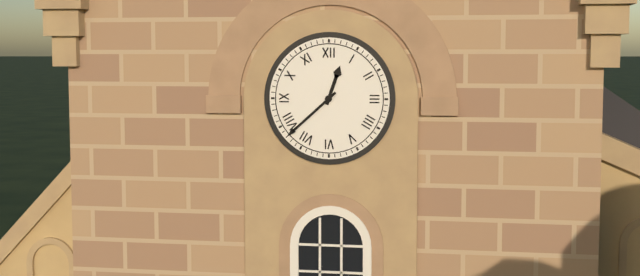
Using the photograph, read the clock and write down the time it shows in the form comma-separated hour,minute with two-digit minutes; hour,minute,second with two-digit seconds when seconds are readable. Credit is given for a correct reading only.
12,38
